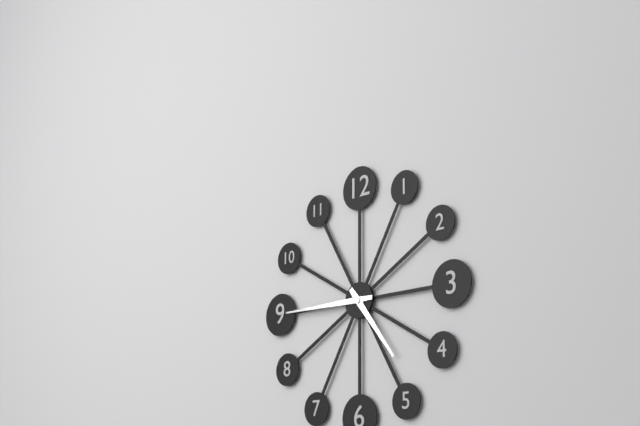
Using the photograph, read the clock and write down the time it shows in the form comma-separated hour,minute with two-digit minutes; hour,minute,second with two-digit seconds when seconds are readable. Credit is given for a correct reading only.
4,45
